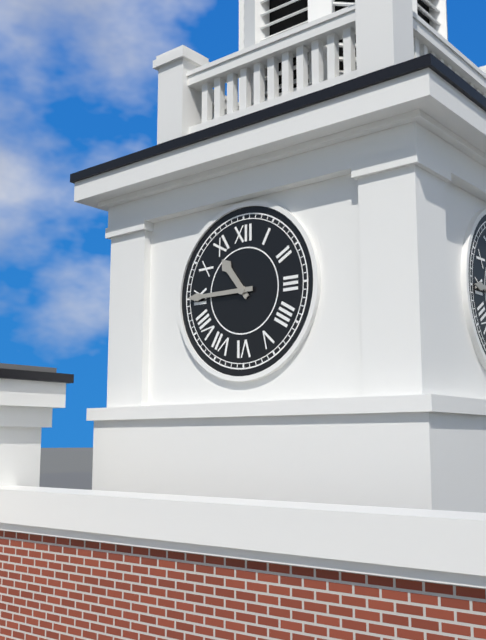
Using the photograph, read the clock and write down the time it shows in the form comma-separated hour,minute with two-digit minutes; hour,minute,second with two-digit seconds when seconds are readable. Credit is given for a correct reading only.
10,45
